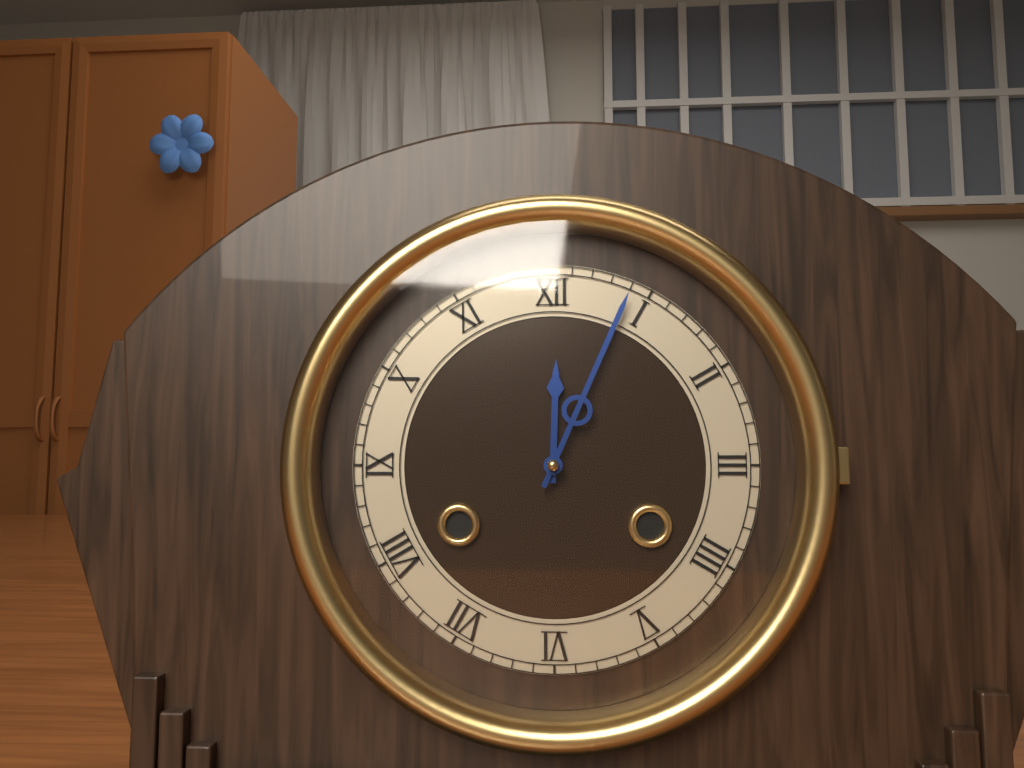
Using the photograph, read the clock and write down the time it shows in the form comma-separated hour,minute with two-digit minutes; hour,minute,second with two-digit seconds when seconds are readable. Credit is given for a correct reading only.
12,04
